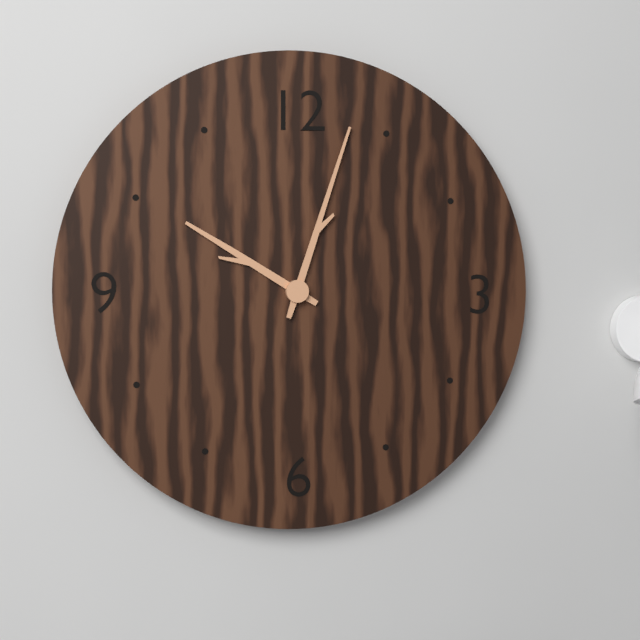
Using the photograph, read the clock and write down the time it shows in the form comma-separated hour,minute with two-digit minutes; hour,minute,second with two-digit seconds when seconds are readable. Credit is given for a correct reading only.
10,03
